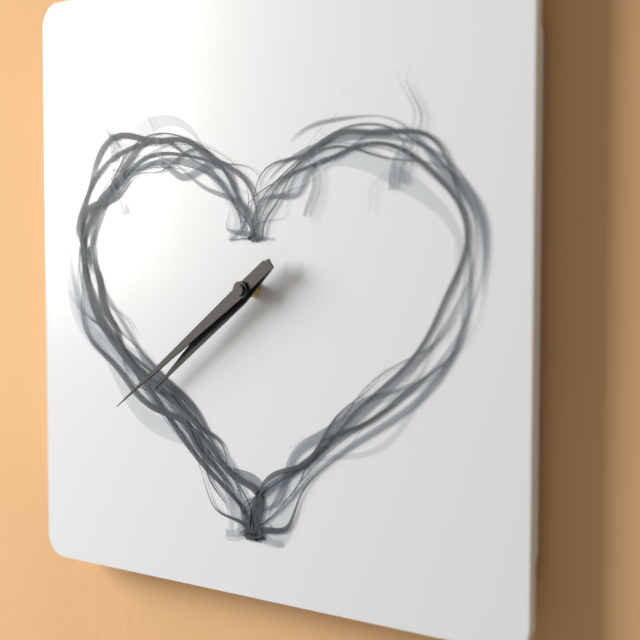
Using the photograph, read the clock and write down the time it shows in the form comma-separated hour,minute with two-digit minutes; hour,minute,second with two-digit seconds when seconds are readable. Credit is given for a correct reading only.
7,39
